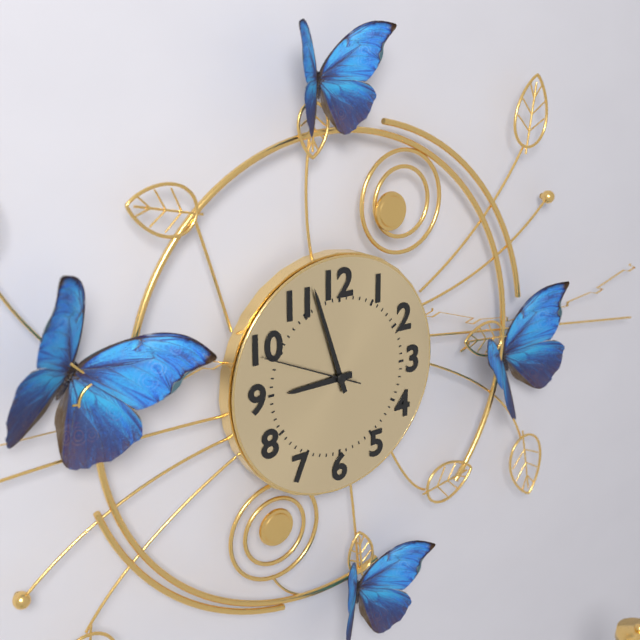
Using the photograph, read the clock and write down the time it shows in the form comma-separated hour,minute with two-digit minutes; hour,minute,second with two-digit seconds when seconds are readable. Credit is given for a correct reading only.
8,57,49
